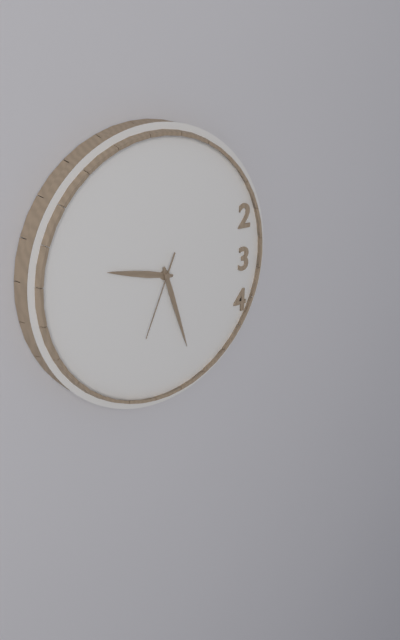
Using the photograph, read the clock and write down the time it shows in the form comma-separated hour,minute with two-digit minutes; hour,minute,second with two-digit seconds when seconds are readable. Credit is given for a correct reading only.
9,27,34
